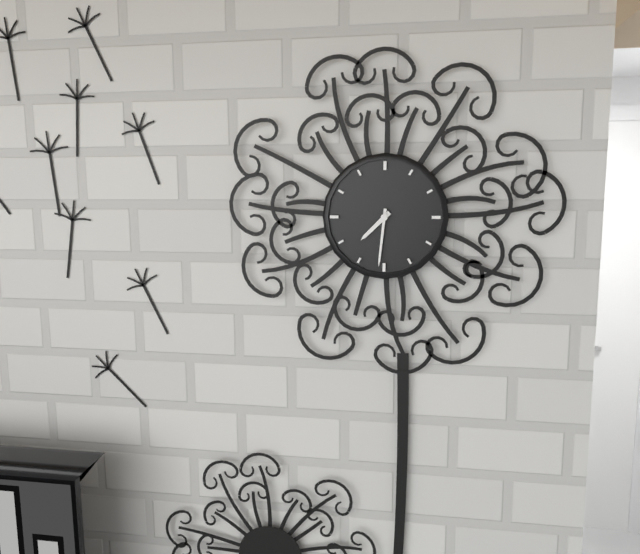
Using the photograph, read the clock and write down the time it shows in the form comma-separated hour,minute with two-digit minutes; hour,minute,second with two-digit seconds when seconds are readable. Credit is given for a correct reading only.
7,31
